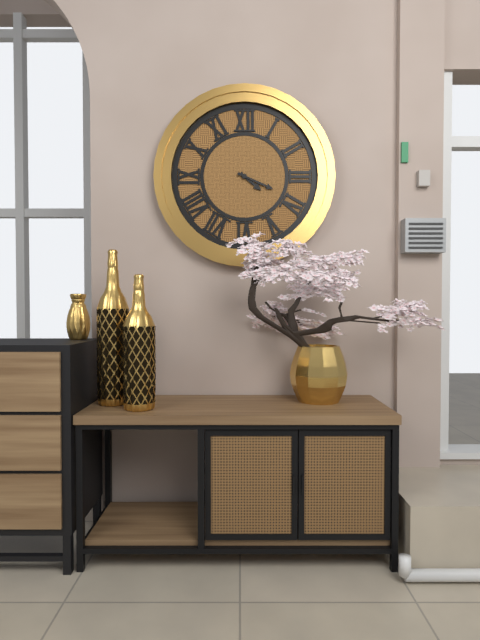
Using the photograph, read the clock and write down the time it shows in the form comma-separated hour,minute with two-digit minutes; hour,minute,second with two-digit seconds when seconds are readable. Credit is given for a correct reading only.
4,19
